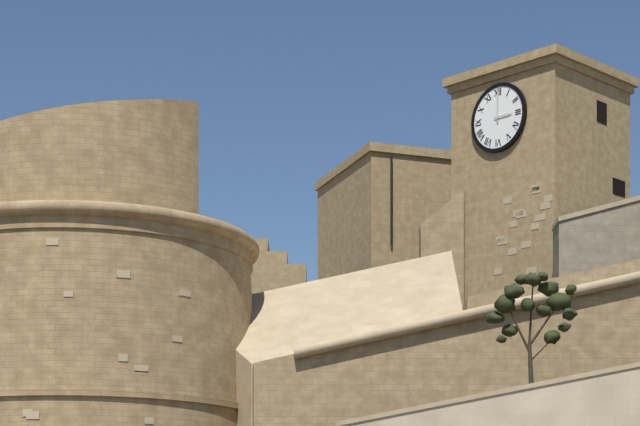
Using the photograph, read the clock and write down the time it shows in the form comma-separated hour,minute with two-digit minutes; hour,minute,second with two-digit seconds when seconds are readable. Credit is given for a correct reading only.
3,00
